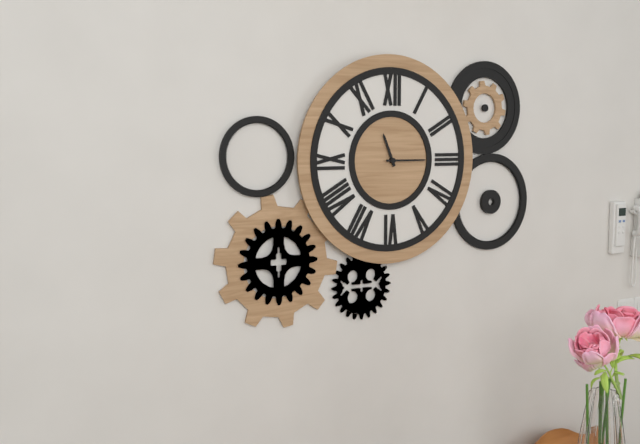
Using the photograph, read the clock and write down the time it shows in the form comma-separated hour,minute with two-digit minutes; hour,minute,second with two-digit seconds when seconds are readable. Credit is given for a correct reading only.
11,15
